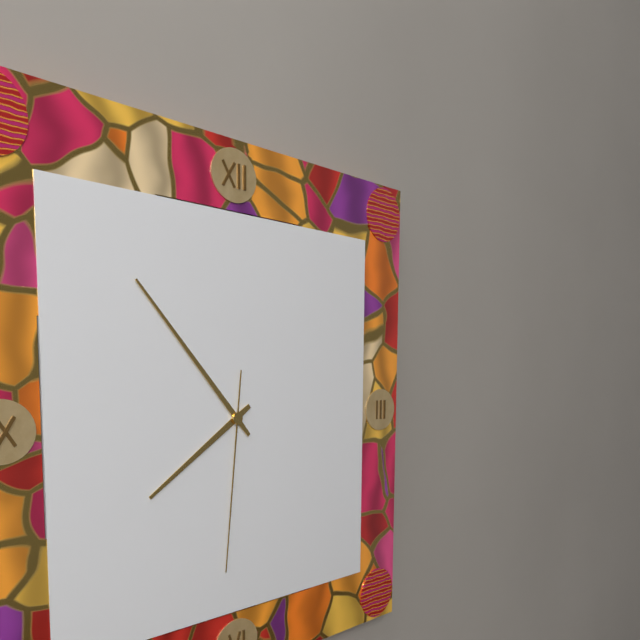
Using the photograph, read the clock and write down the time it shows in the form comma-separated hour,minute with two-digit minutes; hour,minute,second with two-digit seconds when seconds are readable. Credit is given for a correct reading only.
7,53,31
